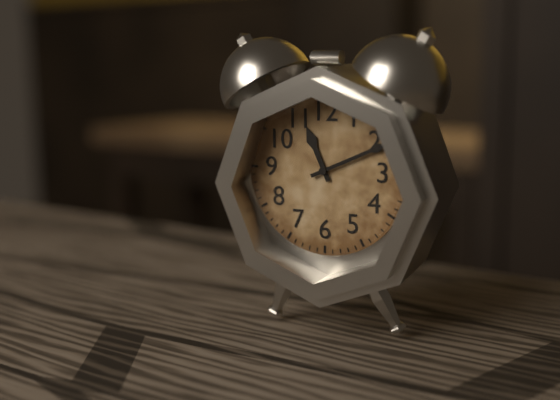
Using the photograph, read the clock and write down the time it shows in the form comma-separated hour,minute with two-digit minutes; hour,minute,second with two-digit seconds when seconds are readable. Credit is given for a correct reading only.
11,11
